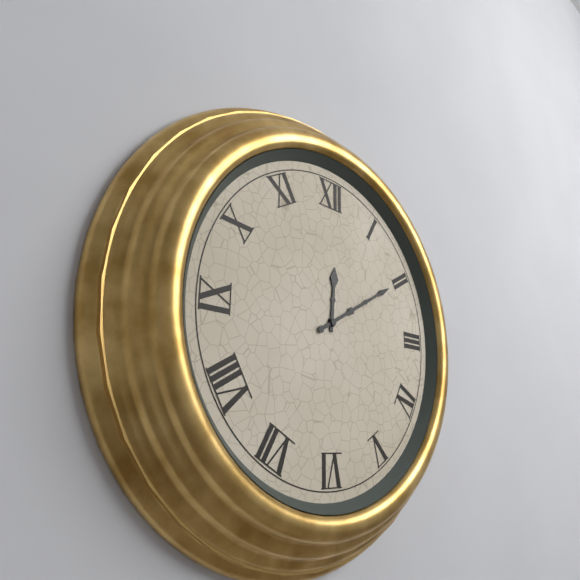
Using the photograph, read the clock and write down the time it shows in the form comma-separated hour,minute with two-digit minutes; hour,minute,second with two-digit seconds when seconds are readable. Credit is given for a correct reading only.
12,10
